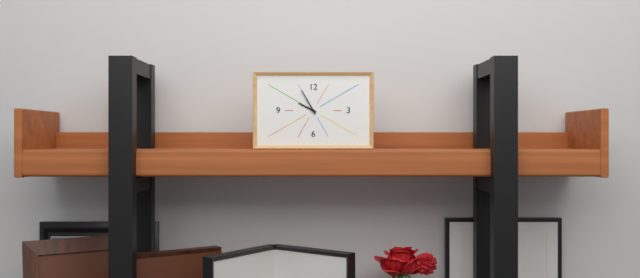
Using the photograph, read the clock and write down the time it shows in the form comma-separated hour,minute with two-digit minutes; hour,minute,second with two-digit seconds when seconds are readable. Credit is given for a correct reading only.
9,55
